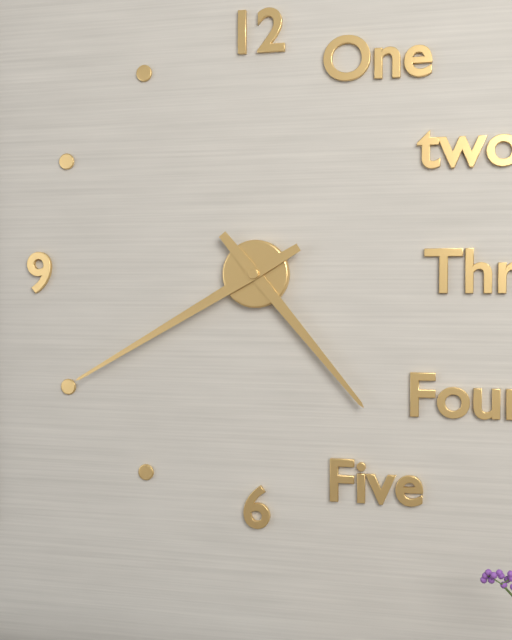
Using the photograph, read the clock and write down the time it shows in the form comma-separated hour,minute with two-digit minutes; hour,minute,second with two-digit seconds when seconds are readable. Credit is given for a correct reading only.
4,40
